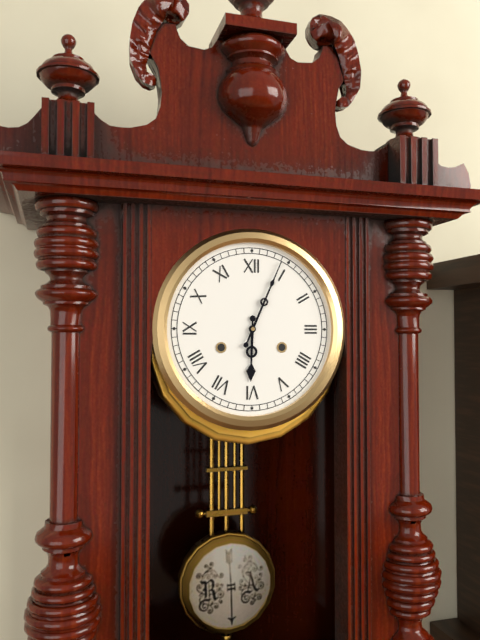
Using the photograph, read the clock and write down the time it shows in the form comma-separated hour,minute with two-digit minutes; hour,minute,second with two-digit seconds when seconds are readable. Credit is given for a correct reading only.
6,04
